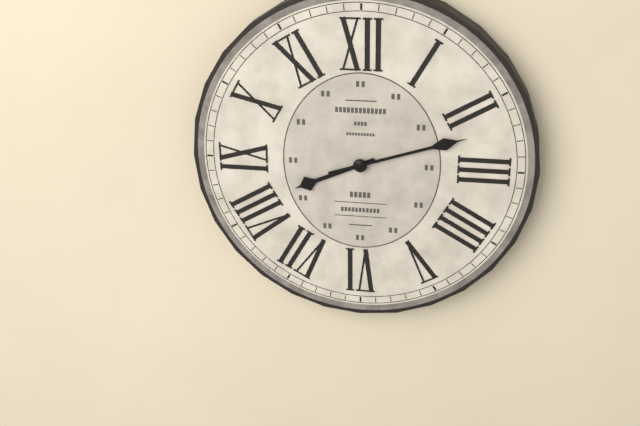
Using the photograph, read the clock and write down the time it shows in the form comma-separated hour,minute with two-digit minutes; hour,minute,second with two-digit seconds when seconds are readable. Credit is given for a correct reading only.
8,12
